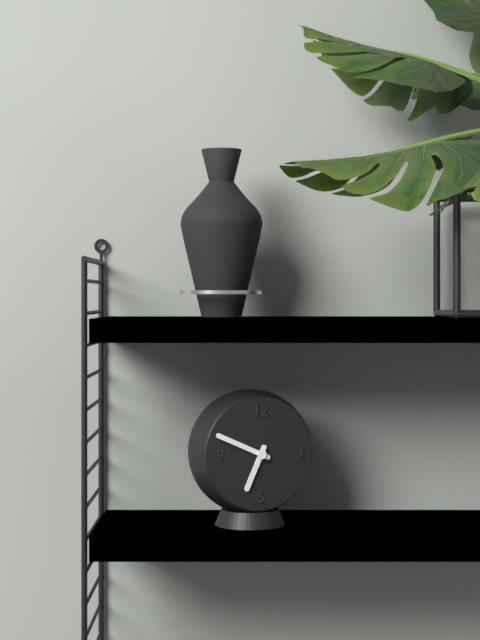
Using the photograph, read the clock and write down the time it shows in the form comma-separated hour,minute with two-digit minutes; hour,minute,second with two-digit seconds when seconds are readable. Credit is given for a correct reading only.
6,49
